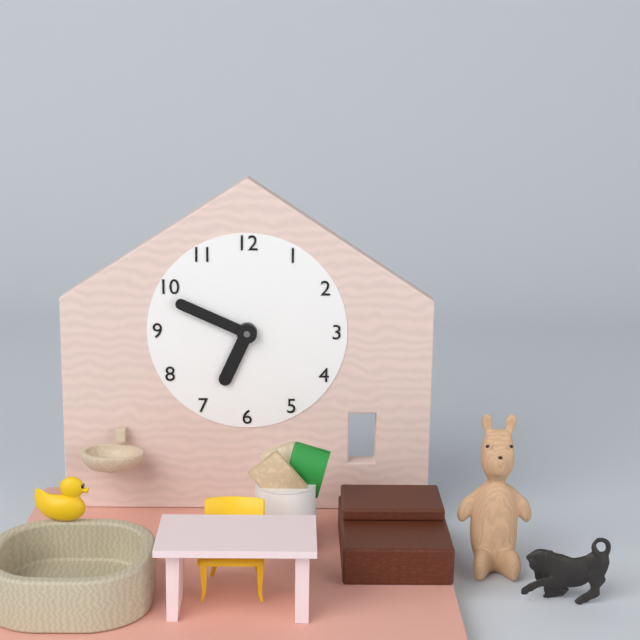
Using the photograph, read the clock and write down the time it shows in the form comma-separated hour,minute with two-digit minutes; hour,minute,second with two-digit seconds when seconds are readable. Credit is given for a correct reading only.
6,49
